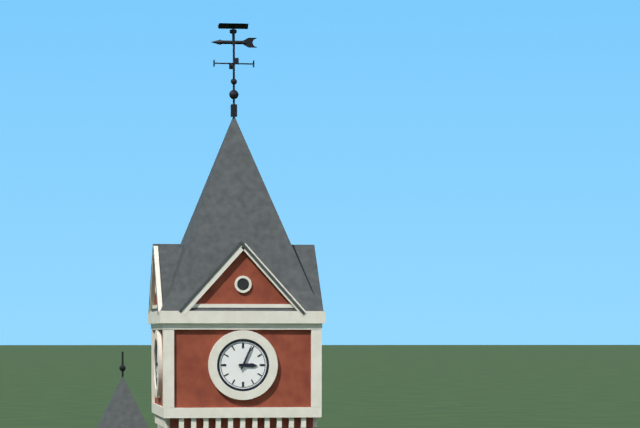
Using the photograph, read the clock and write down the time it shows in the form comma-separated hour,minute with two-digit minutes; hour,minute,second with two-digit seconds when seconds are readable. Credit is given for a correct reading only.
3,04
